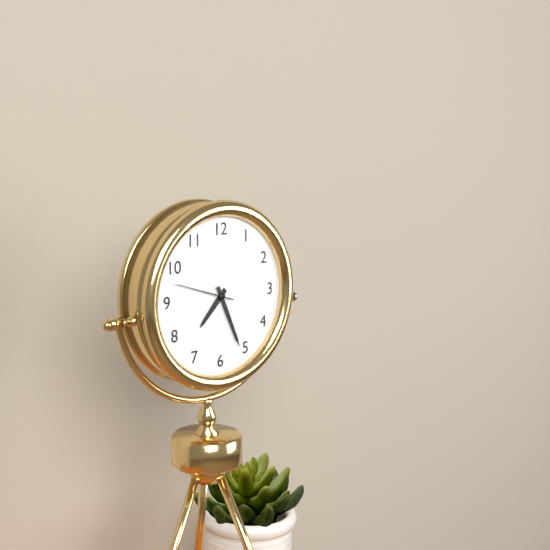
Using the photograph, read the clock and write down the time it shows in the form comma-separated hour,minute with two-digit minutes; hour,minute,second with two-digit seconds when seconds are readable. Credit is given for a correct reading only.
7,26,48
